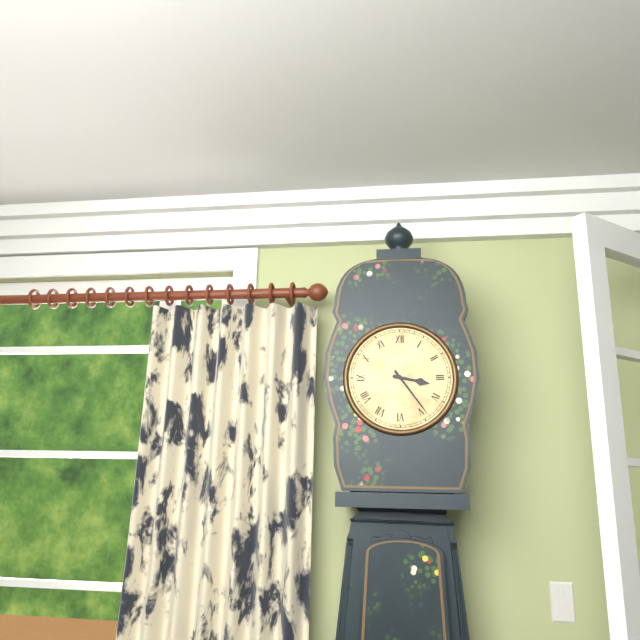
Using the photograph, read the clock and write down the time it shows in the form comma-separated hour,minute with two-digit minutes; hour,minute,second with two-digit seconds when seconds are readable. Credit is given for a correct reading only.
3,24
